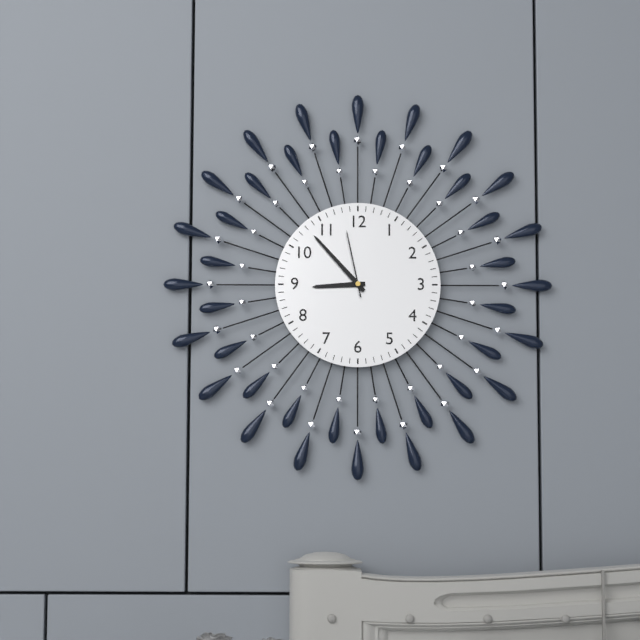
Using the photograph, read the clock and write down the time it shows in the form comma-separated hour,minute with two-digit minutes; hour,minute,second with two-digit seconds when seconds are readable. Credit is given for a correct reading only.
8,53,58
